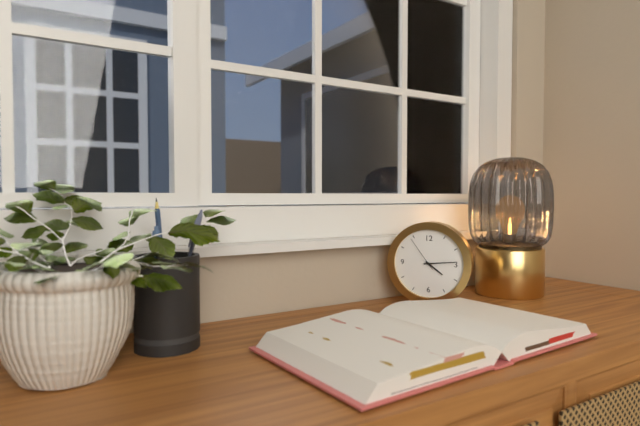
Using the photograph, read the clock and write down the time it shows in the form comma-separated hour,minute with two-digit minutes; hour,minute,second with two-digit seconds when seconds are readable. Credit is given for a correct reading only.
4,14
